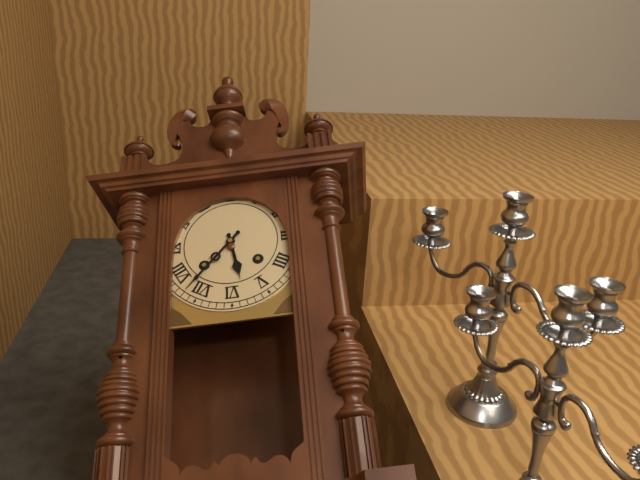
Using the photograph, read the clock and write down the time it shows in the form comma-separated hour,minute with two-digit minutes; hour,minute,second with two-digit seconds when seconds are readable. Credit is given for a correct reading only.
5,37
